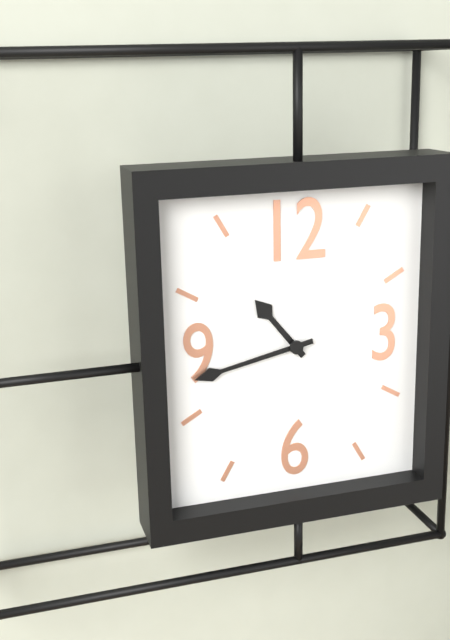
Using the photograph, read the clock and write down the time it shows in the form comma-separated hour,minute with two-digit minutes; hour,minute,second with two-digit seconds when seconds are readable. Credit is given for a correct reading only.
10,43
